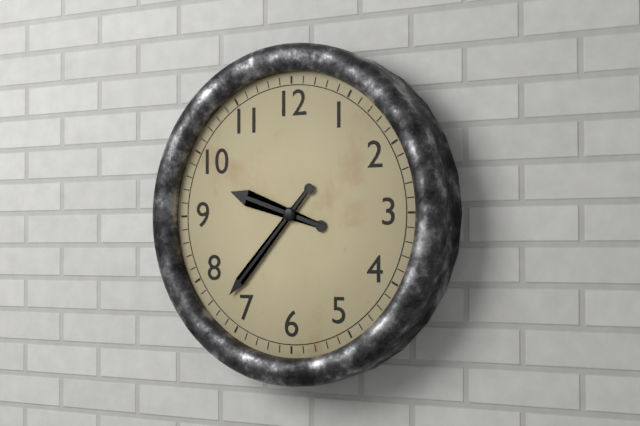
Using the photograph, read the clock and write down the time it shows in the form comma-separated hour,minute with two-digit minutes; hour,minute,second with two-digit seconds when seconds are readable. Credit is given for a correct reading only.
9,37
